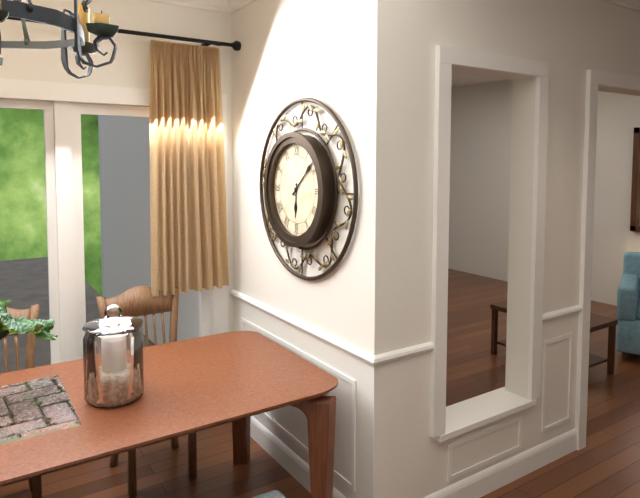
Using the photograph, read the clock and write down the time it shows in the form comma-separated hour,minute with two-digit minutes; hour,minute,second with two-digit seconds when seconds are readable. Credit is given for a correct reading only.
6,08
